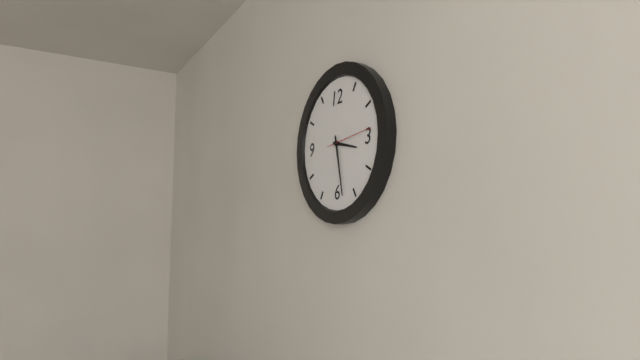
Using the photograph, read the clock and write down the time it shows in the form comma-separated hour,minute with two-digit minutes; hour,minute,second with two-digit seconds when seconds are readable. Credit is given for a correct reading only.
3,28
